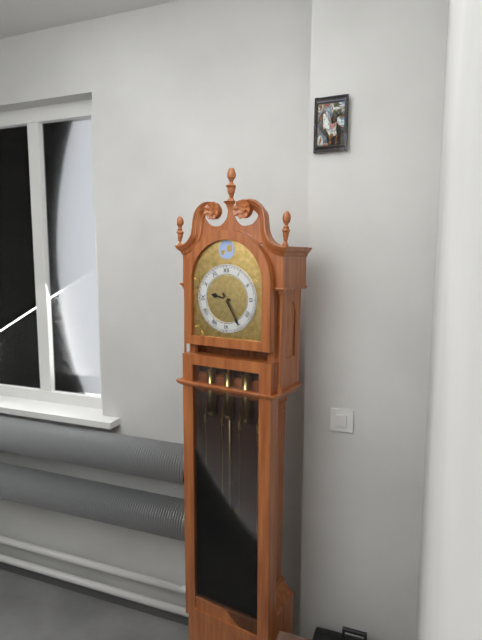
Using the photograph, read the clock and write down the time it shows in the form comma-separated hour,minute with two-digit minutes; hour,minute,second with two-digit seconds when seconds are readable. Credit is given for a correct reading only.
9,25
